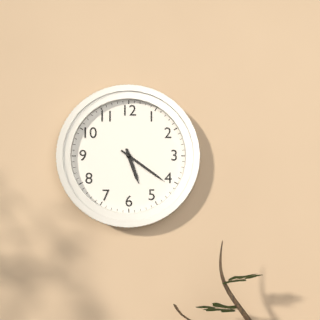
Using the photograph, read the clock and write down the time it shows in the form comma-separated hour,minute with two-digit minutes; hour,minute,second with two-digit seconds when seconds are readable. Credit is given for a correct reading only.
5,21
